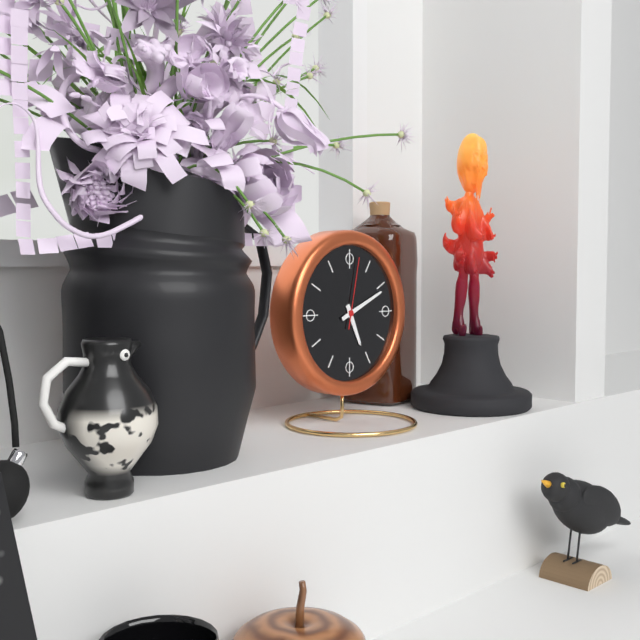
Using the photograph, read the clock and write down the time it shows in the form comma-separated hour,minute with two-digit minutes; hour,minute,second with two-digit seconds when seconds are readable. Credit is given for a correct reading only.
5,11,02
